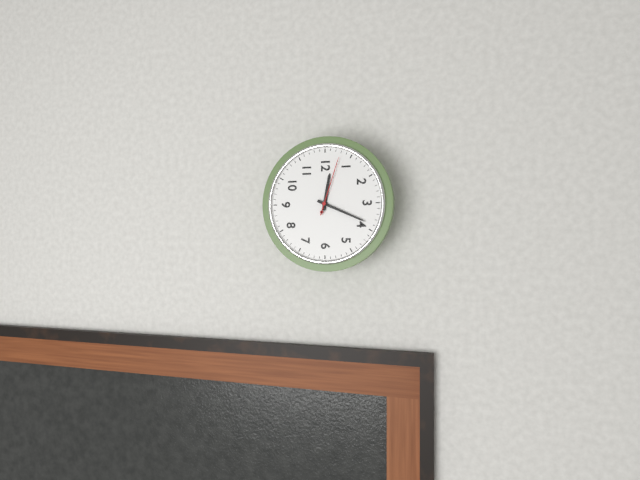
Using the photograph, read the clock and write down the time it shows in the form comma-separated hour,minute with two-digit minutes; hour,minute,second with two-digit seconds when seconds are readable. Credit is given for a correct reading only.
12,19,03
